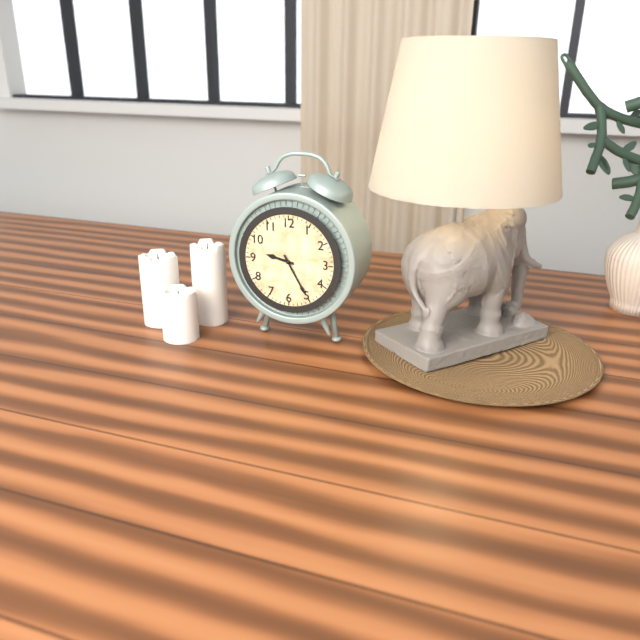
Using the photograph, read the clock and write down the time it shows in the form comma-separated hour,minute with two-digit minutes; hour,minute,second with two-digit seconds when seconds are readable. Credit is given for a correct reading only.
9,25
